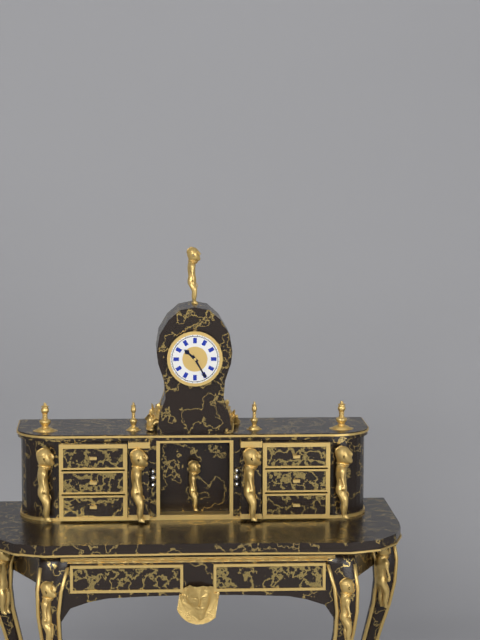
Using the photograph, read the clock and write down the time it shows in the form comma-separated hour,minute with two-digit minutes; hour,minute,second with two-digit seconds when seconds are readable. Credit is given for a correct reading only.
10,25
